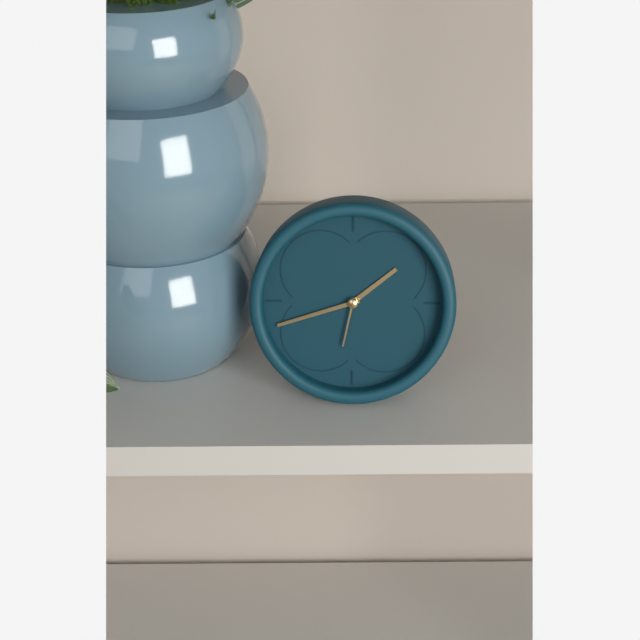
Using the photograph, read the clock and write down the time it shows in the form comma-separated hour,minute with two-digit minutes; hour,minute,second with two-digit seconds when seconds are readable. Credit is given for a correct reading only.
1,42,32
